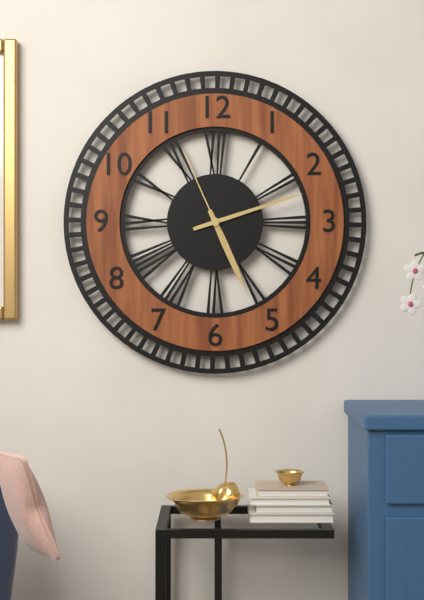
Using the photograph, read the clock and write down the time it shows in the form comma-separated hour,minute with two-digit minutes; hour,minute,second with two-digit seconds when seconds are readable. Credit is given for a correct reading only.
5,12,56
